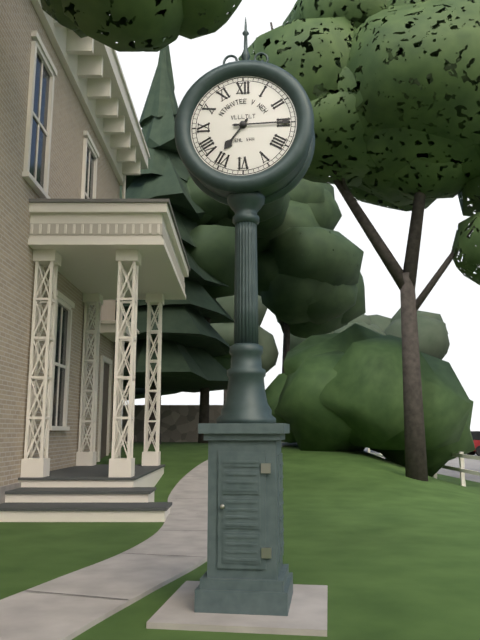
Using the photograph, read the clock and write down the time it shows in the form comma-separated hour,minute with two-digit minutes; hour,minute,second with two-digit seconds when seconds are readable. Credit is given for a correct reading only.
7,15
